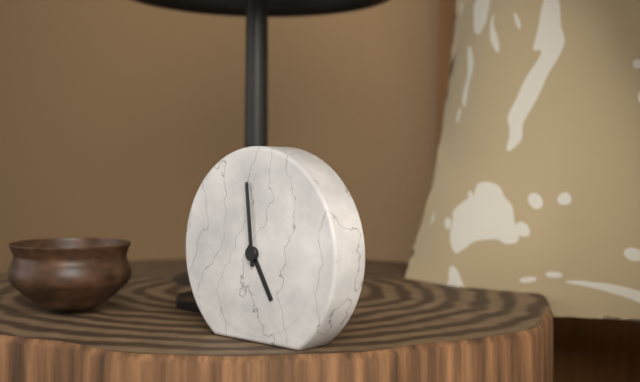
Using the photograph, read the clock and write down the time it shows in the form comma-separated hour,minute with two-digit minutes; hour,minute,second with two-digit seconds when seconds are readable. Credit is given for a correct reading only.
4,59
